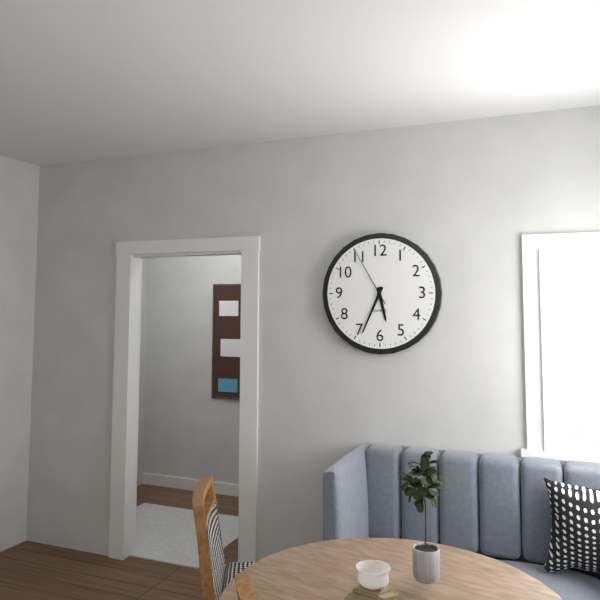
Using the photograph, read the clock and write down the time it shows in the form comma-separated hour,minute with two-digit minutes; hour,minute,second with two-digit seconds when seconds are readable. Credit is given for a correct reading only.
5,34,55
